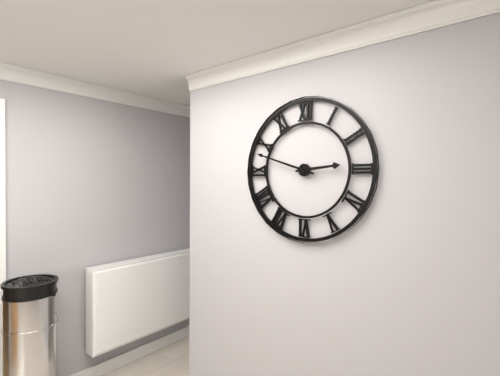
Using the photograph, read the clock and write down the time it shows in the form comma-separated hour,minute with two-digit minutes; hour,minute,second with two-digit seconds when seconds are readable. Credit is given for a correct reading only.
2,48
